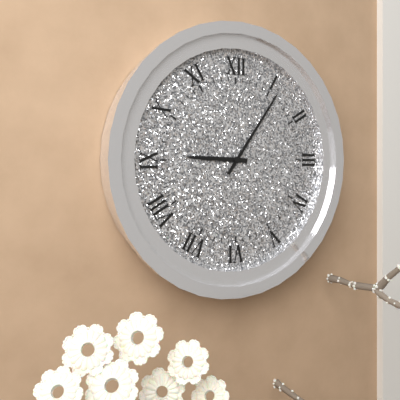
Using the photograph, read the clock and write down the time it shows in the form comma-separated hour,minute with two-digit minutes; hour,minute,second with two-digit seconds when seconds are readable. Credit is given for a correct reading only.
9,06
